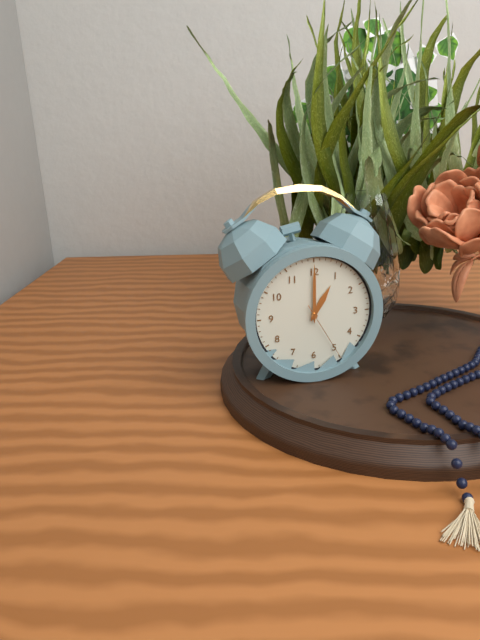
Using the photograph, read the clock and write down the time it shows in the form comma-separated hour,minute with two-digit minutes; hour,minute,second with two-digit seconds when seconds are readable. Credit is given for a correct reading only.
1,00,25
